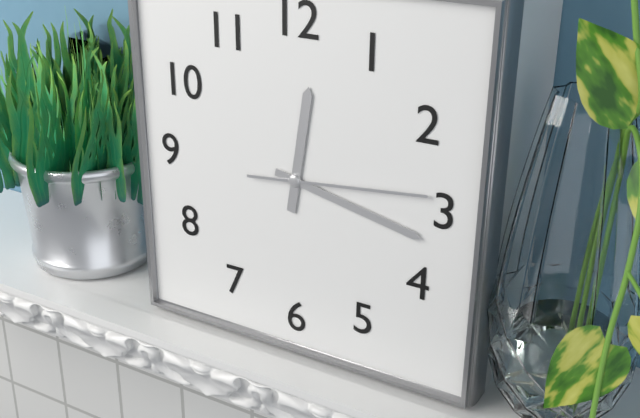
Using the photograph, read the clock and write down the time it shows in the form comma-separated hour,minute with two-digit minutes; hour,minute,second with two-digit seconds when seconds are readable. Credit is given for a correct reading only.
12,17,14
